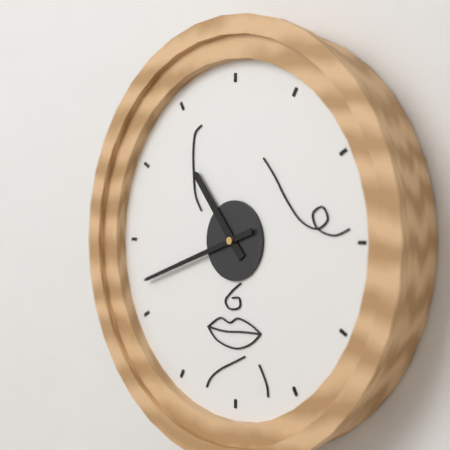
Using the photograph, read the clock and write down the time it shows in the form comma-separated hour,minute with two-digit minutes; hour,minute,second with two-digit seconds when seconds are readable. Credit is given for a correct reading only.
10,42
